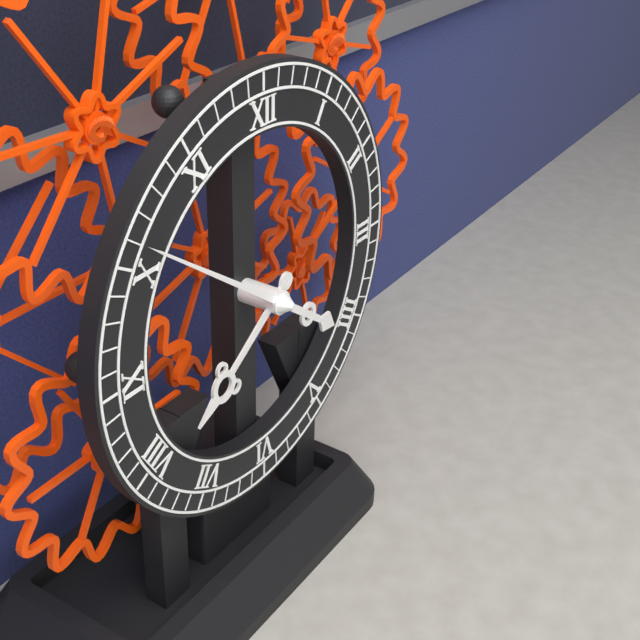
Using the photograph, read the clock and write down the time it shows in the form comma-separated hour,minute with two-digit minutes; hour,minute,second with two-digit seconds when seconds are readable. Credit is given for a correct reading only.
7,51
